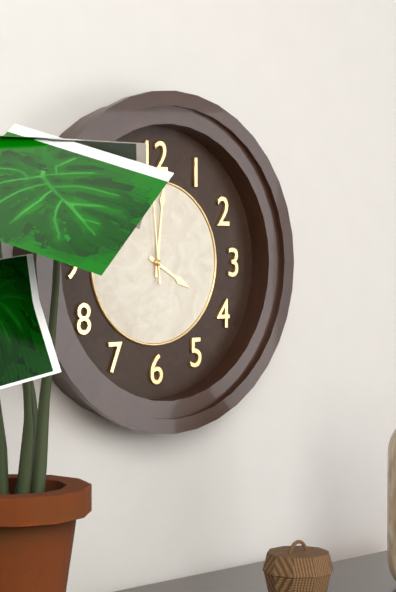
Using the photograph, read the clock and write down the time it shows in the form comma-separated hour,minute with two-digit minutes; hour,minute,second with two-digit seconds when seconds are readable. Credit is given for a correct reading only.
4,01
